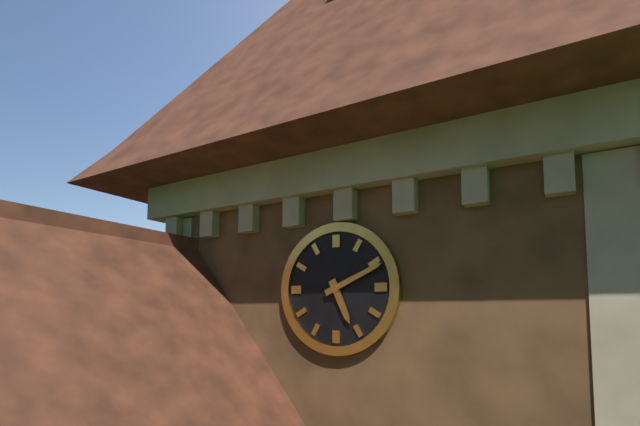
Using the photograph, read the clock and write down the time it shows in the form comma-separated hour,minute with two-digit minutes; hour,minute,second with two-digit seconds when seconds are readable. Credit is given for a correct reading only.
5,11
